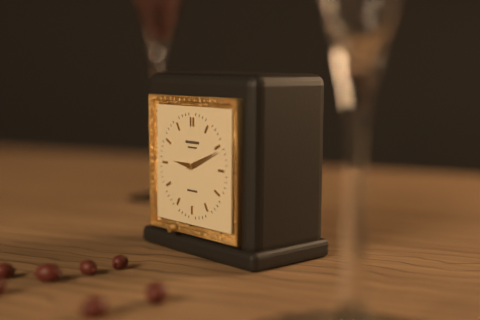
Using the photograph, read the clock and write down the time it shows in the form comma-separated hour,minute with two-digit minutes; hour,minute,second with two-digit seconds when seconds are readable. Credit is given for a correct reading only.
9,11
